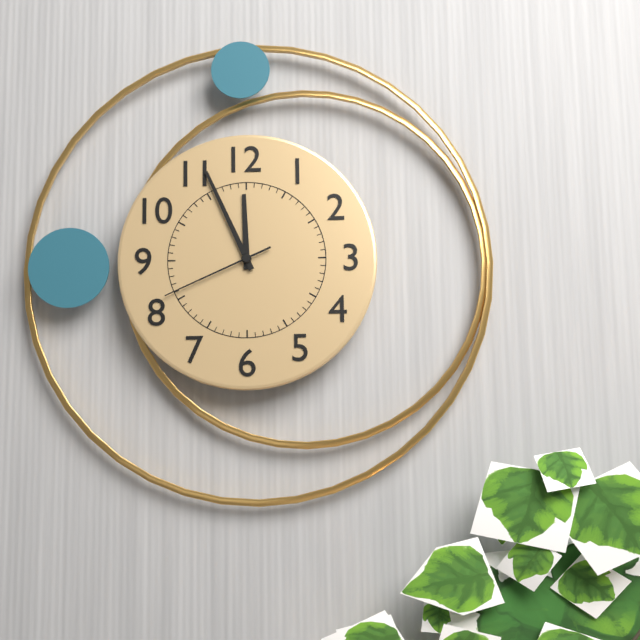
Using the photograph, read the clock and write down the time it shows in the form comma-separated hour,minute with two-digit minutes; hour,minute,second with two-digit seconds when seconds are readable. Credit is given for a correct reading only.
11,56,41
